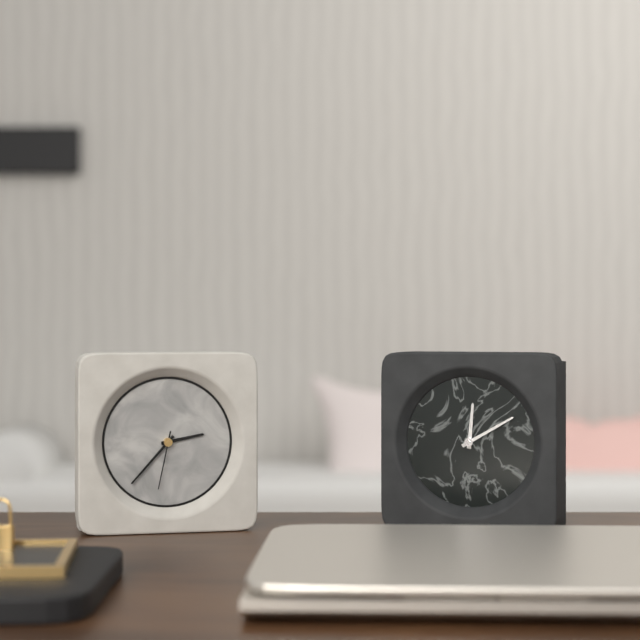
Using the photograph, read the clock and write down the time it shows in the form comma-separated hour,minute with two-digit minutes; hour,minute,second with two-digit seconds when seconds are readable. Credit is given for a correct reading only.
2,37,32
